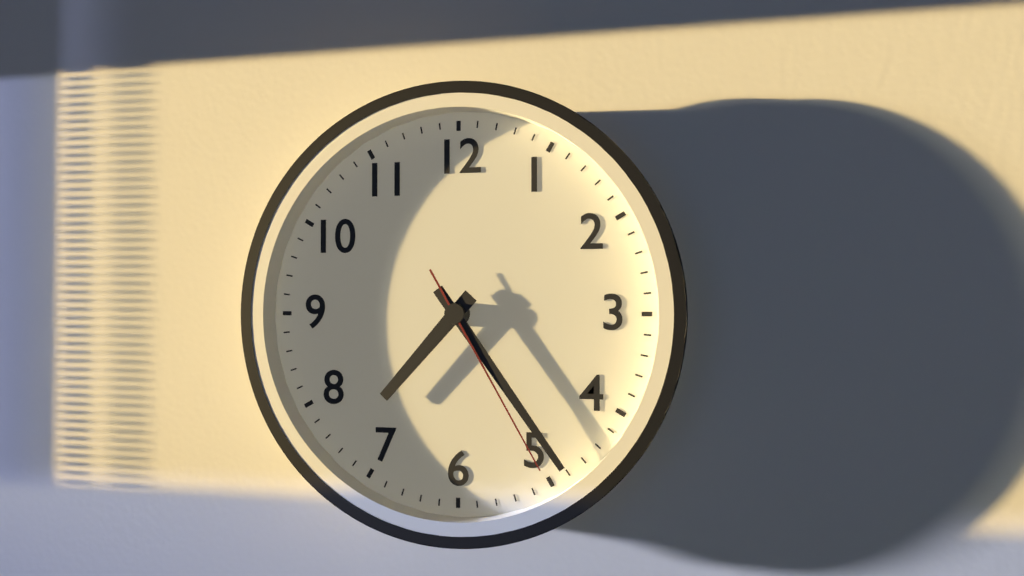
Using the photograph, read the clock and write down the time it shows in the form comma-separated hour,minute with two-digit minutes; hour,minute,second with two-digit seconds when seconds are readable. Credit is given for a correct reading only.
7,24,25
